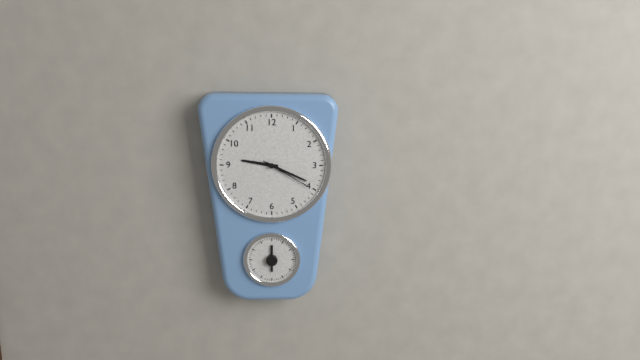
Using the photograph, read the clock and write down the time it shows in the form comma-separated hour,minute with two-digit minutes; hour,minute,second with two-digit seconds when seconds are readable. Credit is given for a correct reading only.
9,19,20
